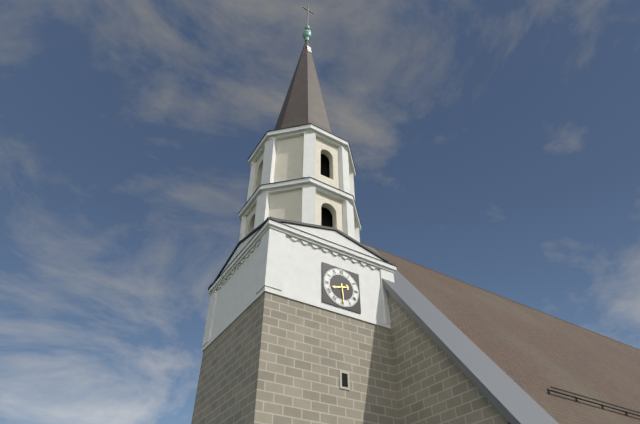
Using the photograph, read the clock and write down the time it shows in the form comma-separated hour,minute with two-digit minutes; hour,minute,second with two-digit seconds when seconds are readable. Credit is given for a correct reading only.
8,29
